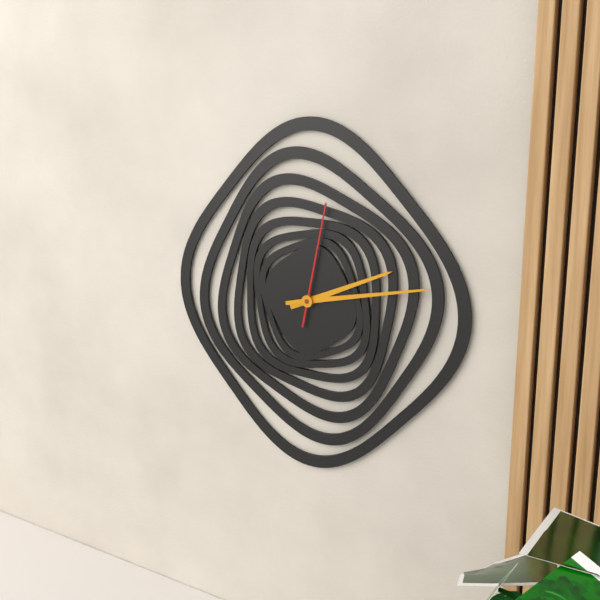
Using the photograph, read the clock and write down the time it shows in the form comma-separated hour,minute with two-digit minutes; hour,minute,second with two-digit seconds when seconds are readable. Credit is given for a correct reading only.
2,13,02
